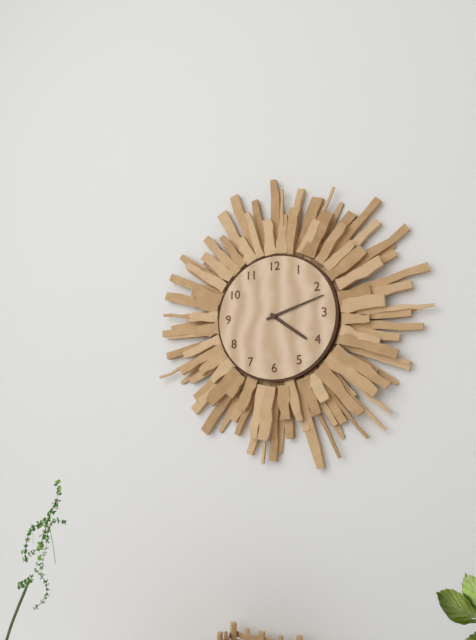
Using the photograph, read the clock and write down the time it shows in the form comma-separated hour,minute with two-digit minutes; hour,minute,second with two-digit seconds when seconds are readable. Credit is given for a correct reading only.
4,12
